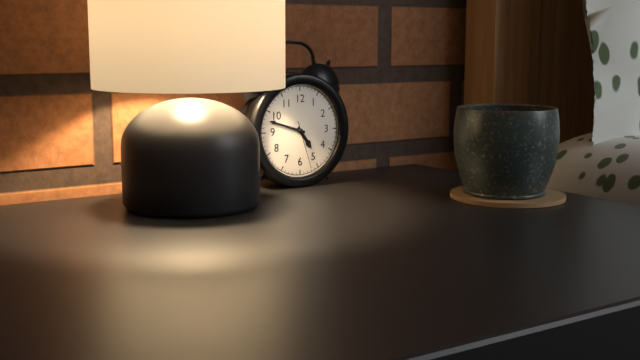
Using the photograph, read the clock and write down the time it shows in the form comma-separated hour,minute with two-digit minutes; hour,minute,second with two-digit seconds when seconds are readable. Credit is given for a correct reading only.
4,48
